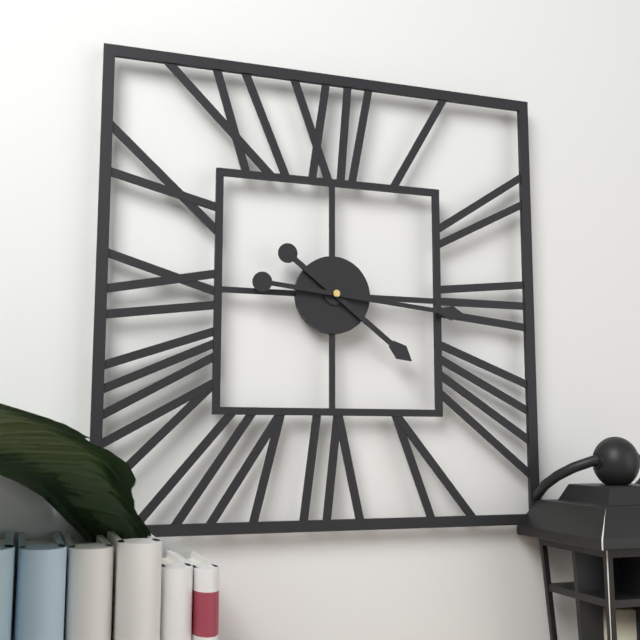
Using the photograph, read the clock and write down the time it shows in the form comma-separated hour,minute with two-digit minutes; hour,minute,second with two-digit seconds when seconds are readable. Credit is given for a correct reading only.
4,16
